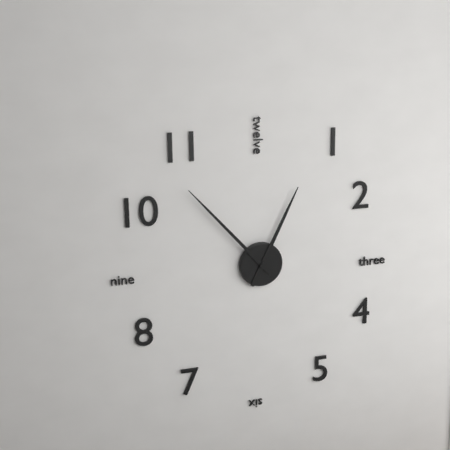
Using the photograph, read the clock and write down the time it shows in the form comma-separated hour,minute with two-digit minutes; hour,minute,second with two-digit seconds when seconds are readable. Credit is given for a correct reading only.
12,53
